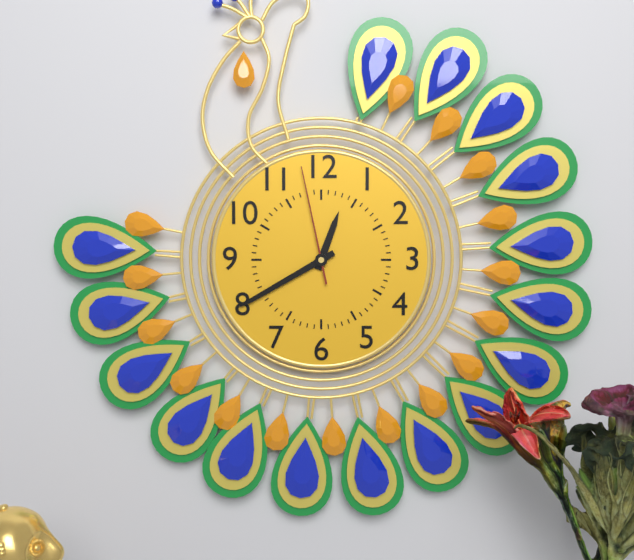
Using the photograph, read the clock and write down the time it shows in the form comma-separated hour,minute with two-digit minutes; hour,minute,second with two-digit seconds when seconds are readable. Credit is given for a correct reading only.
12,40,58
